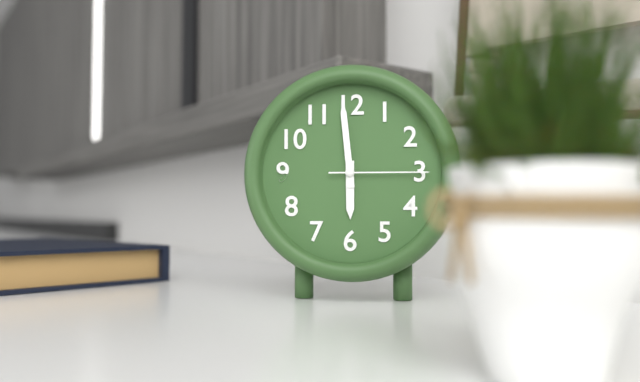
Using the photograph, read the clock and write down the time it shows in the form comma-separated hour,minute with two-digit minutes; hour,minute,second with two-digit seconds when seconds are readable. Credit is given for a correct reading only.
5,59,15
